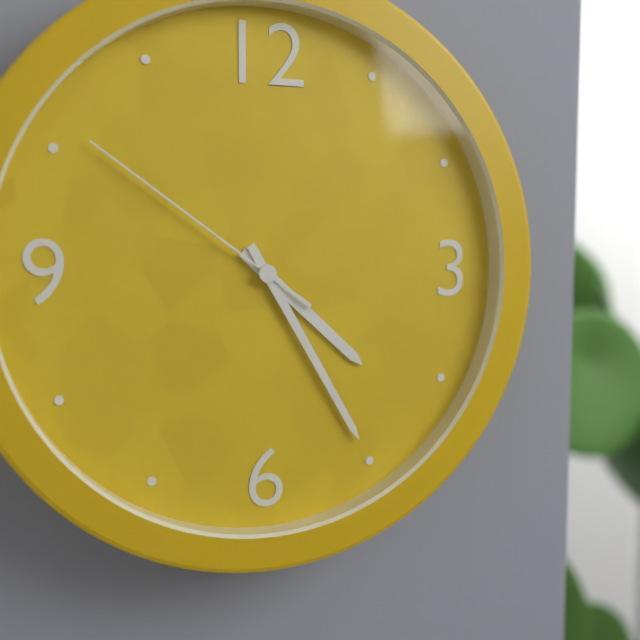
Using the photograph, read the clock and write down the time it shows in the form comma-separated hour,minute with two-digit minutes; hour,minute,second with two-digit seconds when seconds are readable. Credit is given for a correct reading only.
4,25,51
